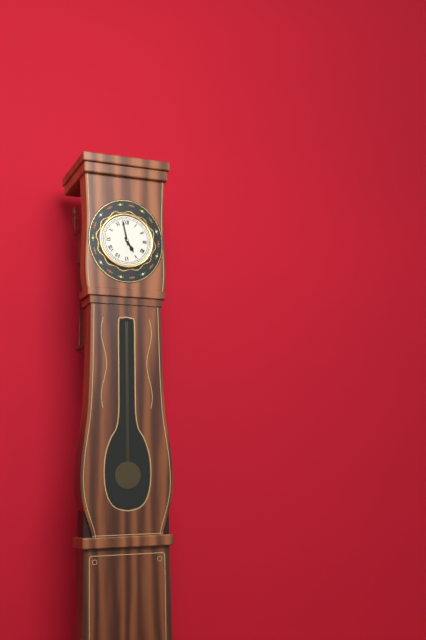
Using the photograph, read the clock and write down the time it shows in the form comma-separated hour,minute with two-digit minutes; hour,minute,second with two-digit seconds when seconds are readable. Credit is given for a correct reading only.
4,58
